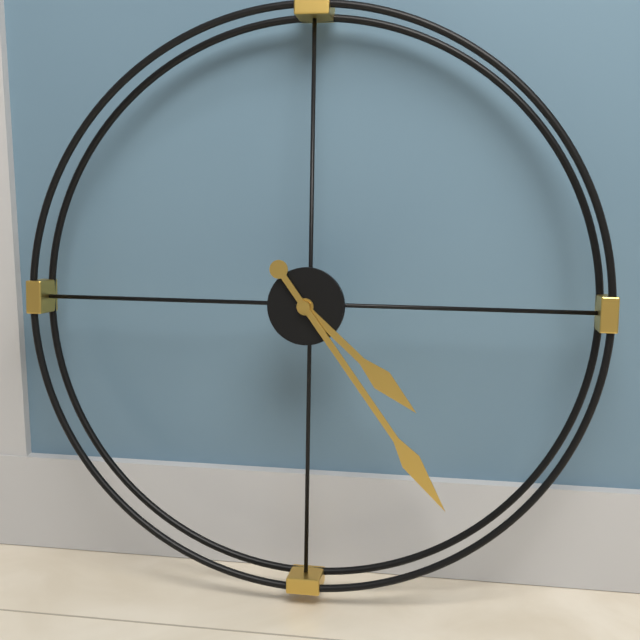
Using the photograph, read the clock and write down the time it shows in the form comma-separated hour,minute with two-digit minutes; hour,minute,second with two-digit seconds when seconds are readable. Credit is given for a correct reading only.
4,24
